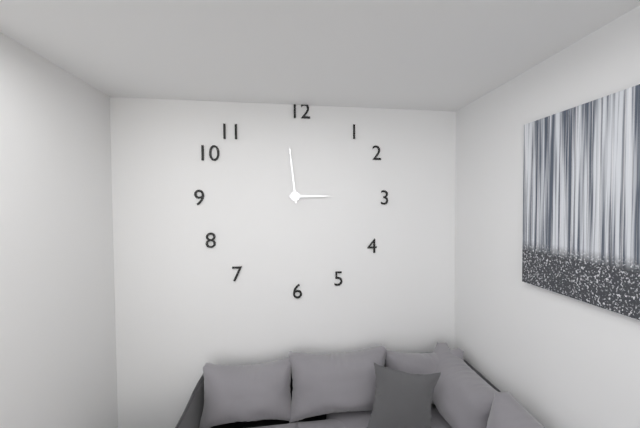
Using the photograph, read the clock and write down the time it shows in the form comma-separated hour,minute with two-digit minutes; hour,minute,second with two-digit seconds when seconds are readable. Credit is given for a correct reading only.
2,59
